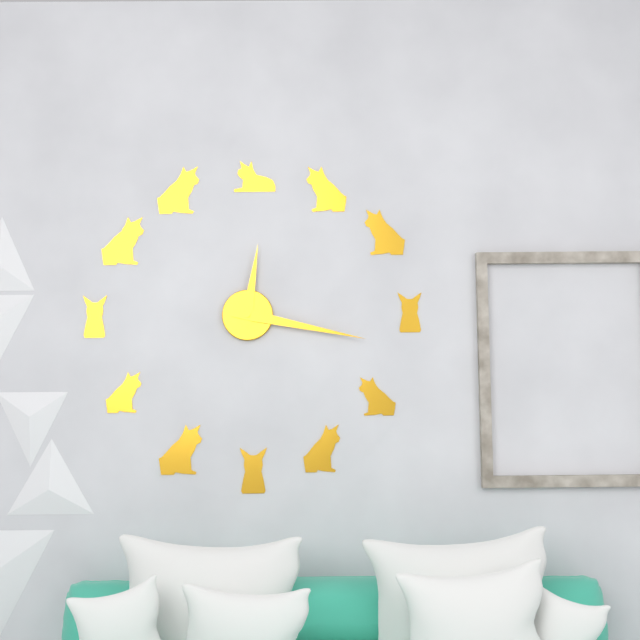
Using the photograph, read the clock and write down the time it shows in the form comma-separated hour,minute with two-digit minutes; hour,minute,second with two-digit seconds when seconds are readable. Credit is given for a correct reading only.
12,17
